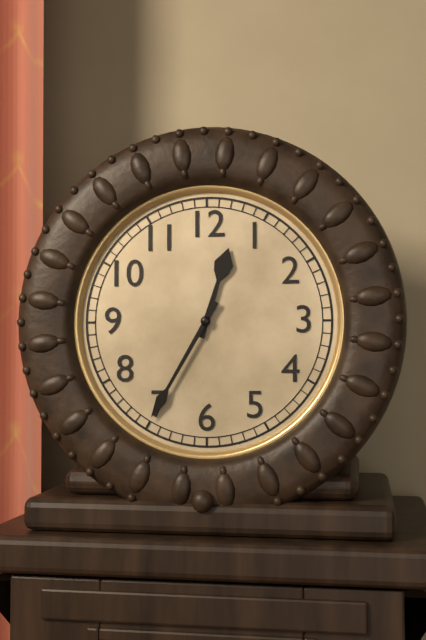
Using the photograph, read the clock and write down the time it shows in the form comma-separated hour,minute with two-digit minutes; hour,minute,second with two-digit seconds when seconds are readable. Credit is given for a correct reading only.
12,35
